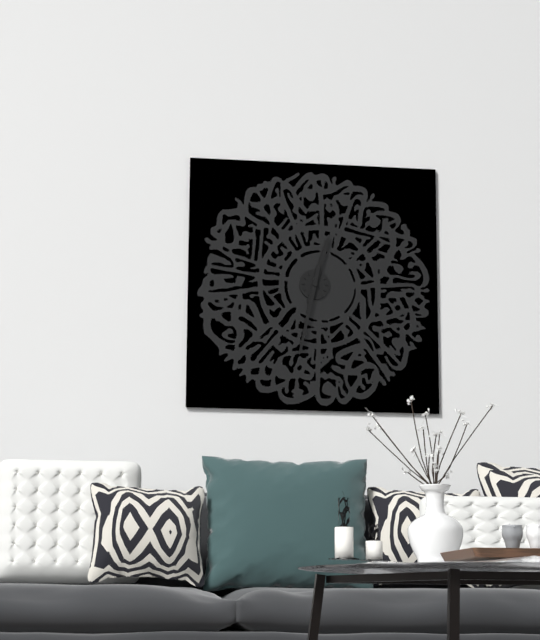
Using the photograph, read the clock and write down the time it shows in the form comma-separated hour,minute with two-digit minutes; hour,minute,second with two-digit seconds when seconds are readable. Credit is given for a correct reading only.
12,32
